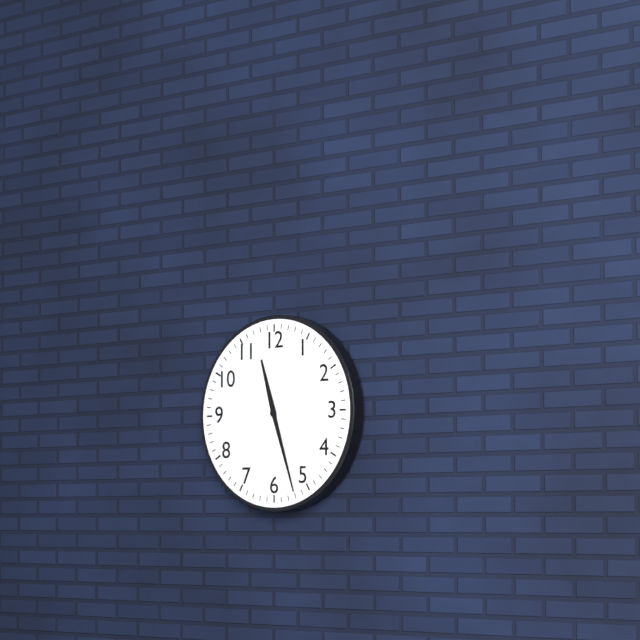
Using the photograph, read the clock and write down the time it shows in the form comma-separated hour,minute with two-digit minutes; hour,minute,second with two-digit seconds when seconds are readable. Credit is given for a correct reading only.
11,27
